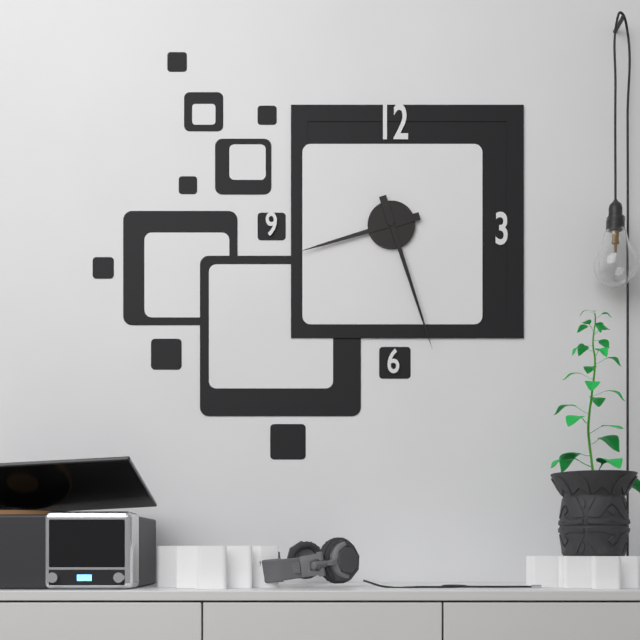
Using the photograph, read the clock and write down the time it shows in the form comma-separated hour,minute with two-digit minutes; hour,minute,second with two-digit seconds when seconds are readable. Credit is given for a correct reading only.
8,27
